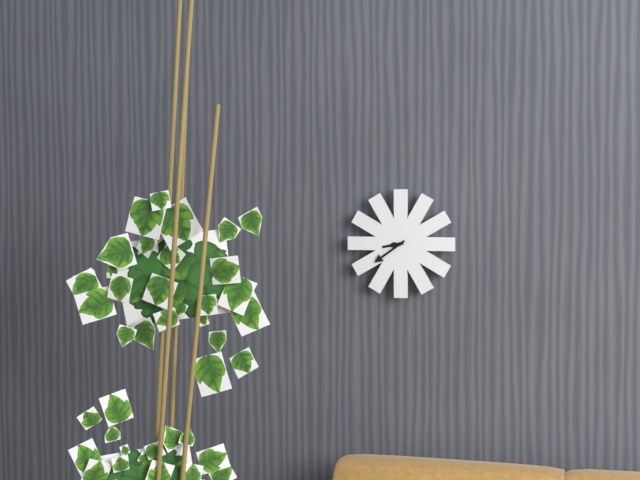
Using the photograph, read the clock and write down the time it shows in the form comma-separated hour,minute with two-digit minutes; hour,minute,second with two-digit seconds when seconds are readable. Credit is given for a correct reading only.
8,39
